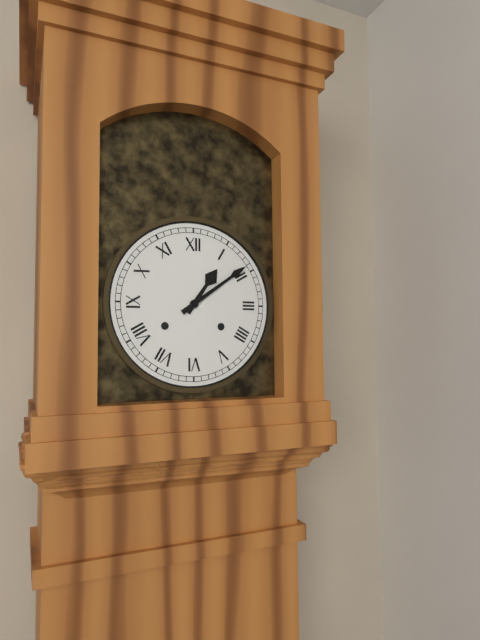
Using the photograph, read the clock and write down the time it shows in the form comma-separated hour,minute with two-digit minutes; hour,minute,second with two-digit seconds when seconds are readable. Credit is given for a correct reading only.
1,09
